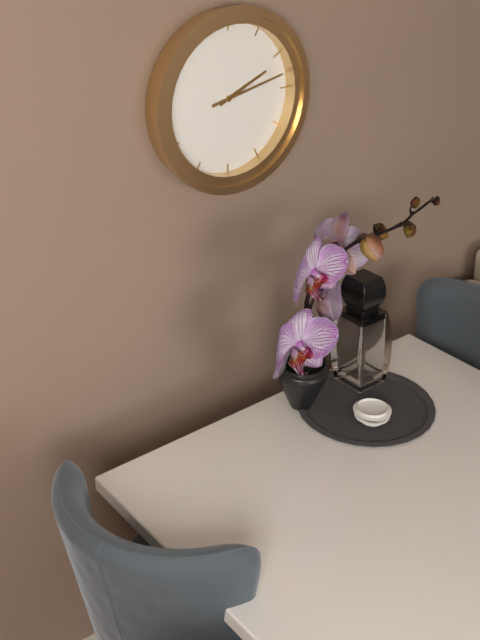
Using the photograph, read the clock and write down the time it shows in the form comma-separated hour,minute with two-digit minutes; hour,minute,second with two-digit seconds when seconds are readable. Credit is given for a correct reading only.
2,13
